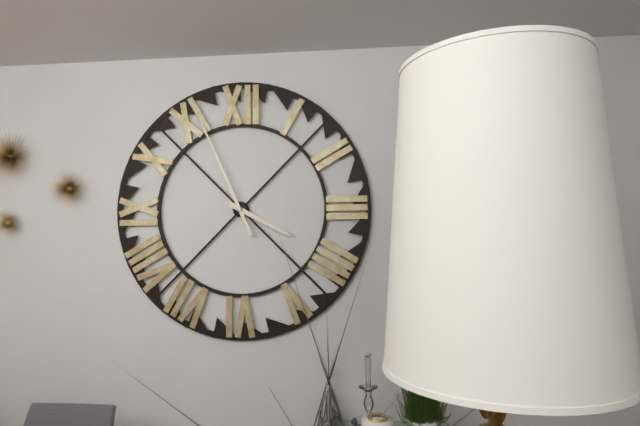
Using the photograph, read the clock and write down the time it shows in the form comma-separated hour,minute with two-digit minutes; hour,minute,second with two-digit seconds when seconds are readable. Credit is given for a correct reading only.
3,56
